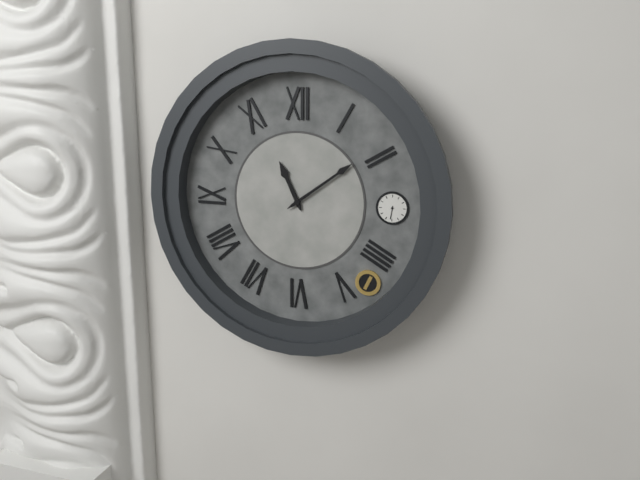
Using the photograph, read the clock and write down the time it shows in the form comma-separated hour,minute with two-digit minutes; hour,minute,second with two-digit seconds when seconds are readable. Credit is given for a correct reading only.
11,09
